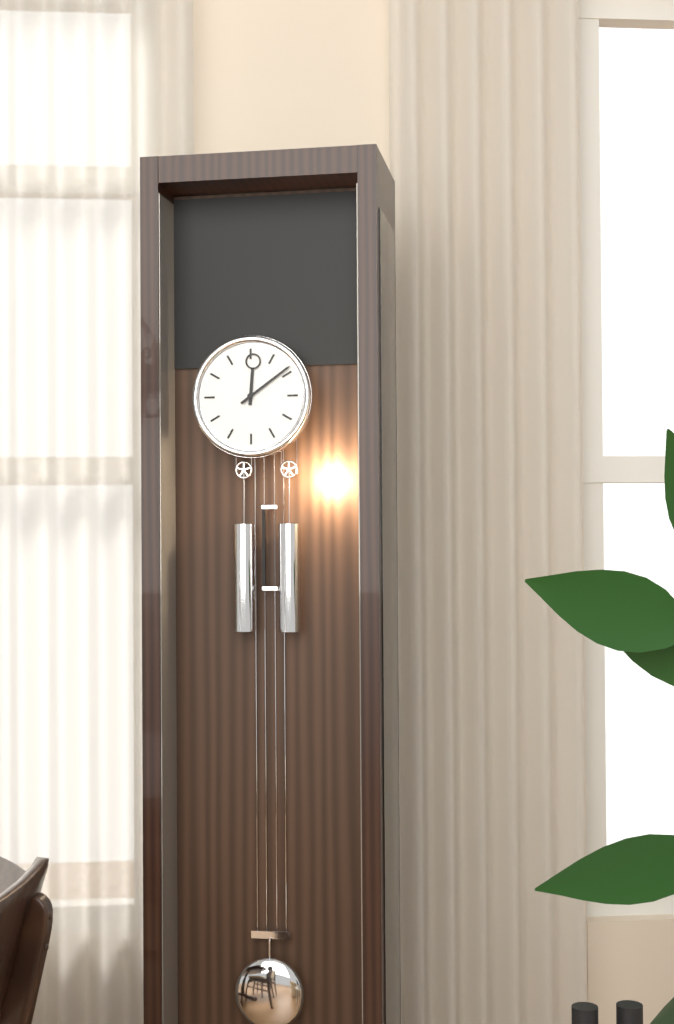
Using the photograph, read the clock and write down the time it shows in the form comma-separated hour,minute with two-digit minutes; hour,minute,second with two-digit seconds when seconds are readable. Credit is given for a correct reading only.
12,09
